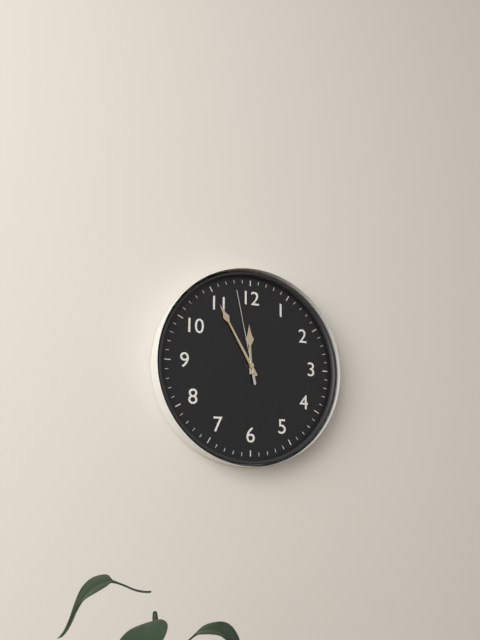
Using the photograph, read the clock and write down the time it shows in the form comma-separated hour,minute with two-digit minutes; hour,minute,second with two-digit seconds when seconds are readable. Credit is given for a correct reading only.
11,55,58
